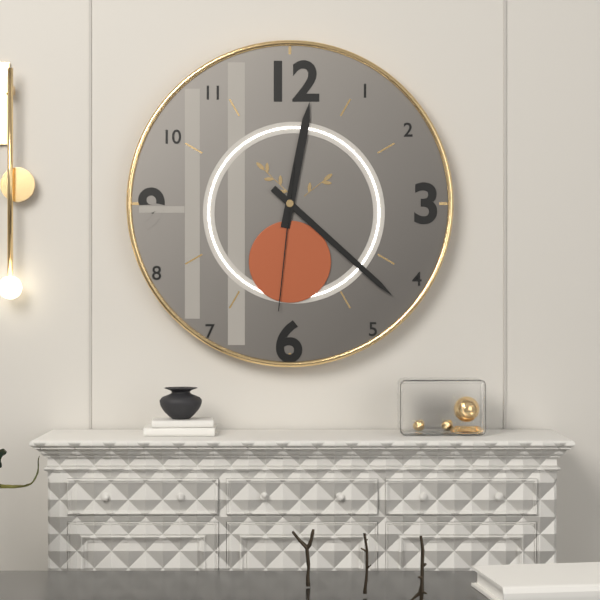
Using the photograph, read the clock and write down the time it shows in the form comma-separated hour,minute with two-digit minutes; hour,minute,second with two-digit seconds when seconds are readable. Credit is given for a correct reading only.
12,22,31
